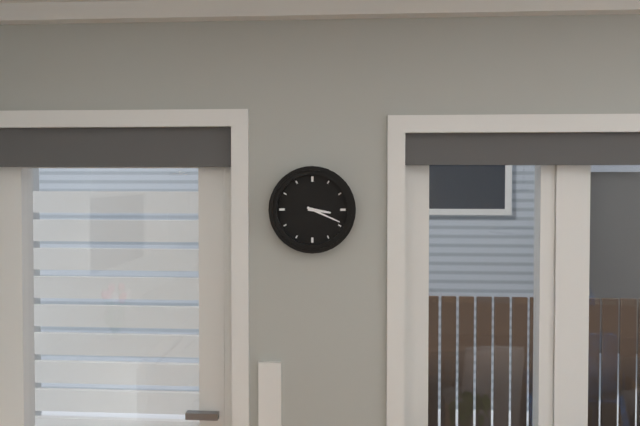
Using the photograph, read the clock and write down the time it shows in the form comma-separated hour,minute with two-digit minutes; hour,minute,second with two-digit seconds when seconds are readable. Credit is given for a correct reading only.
3,19
